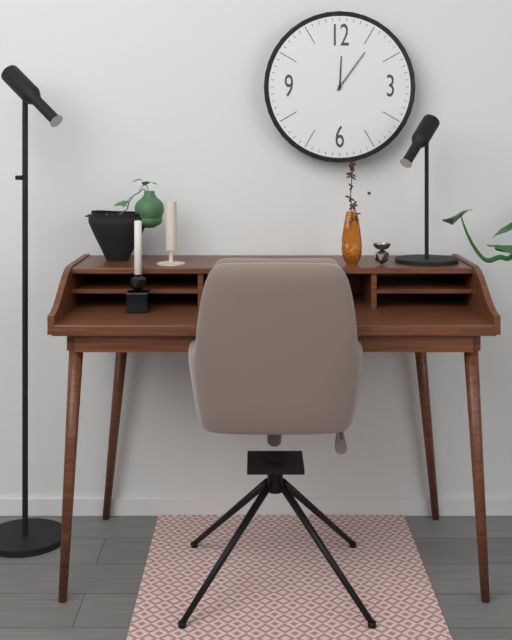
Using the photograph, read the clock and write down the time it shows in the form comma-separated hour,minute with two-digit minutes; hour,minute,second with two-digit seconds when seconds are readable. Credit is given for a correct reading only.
12,06
